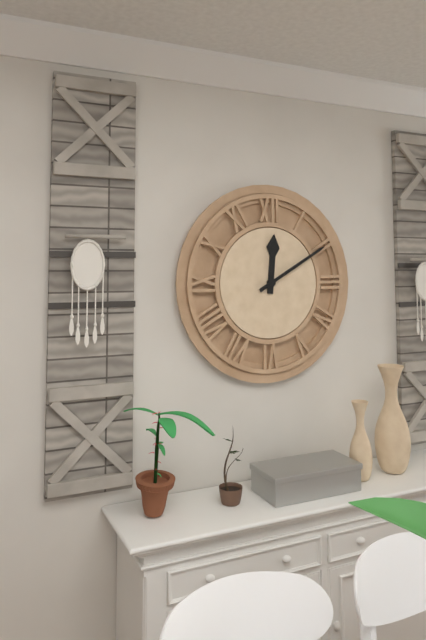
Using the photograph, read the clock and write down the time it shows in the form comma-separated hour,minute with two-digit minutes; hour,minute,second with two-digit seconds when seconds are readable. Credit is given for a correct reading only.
12,10
